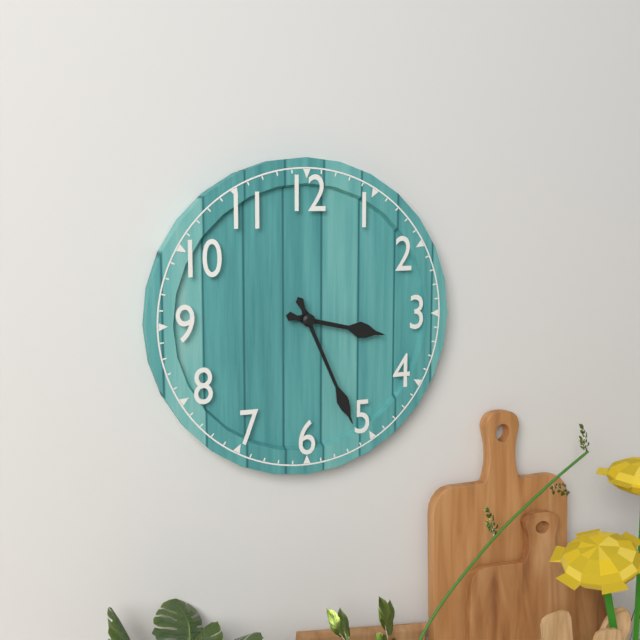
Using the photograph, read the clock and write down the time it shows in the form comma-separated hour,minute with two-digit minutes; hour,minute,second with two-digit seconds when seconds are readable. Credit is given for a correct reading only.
3,26
